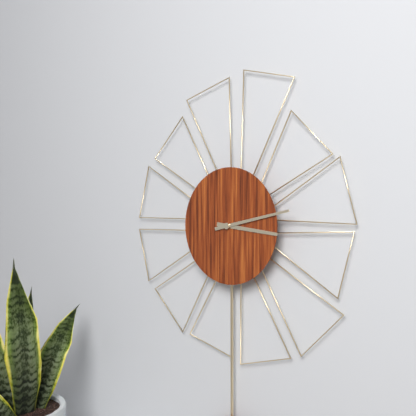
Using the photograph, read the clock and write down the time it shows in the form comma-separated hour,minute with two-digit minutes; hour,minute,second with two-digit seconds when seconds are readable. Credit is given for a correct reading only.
3,13
